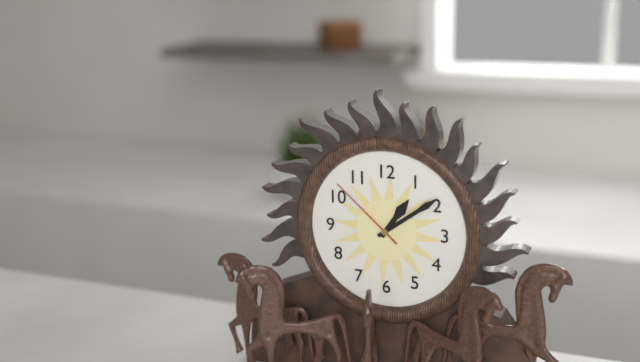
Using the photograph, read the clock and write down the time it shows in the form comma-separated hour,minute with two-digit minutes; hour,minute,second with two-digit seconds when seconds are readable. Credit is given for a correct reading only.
1,09,52
